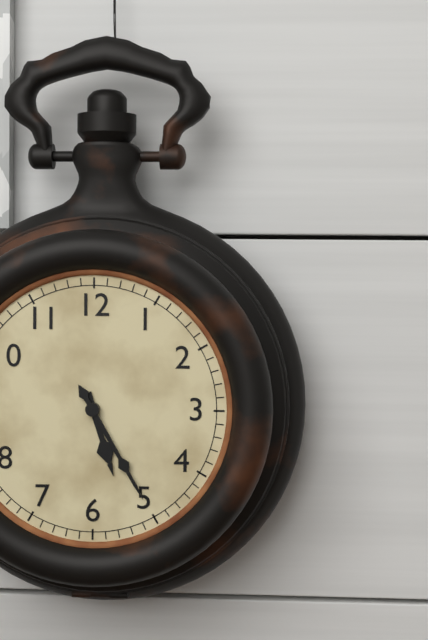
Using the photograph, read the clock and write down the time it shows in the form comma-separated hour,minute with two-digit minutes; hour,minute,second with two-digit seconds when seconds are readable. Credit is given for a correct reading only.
5,25
